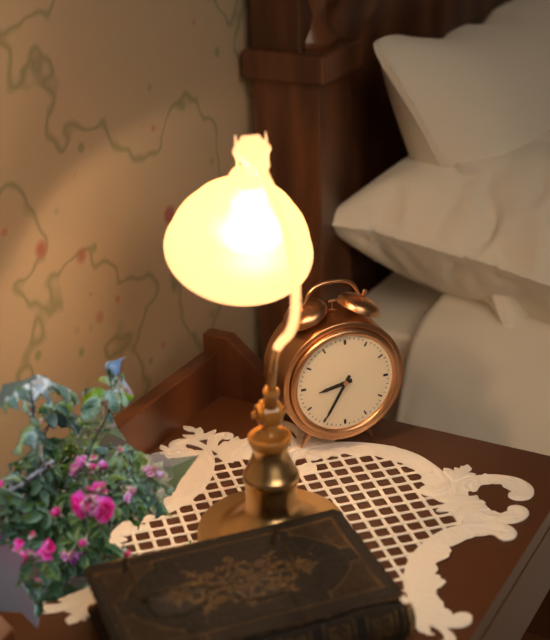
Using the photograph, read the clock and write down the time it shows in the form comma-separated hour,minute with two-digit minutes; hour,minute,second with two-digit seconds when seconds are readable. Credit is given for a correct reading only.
8,35
